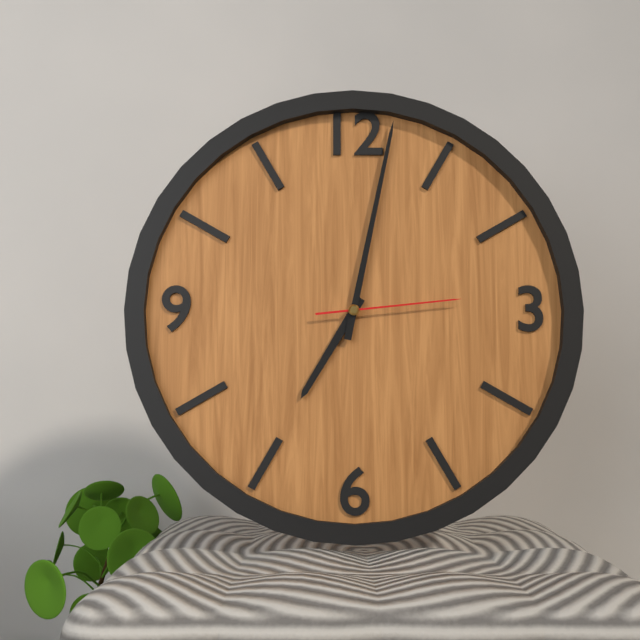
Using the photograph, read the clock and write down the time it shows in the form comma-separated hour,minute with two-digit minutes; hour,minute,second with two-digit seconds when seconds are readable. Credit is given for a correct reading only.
7,02,14
